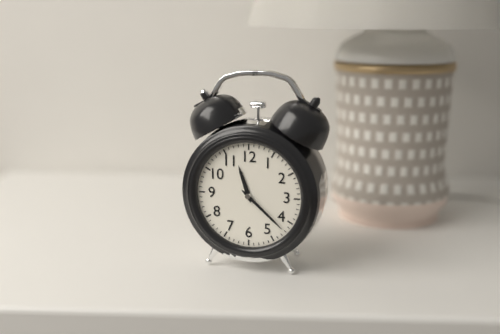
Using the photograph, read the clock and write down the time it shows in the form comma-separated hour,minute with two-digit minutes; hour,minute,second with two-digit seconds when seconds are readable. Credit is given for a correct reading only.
11,22
